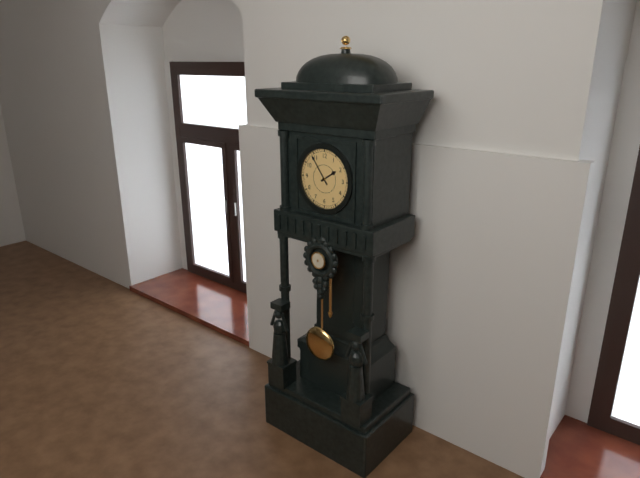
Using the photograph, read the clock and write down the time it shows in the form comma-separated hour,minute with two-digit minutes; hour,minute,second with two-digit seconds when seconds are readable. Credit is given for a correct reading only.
1,54
